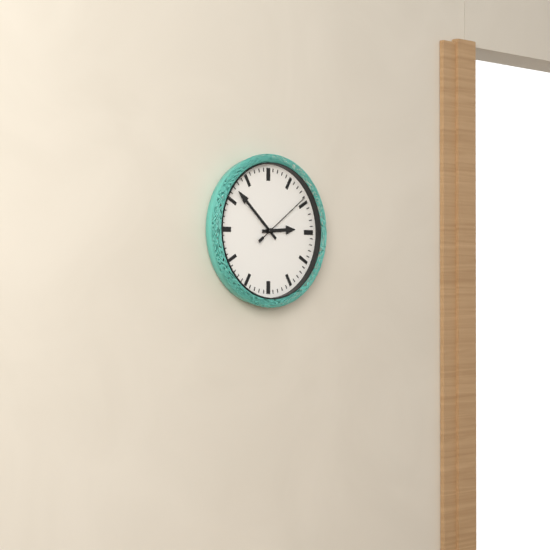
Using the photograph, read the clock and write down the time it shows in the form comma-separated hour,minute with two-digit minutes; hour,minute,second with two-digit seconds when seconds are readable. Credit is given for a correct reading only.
2,52,09
